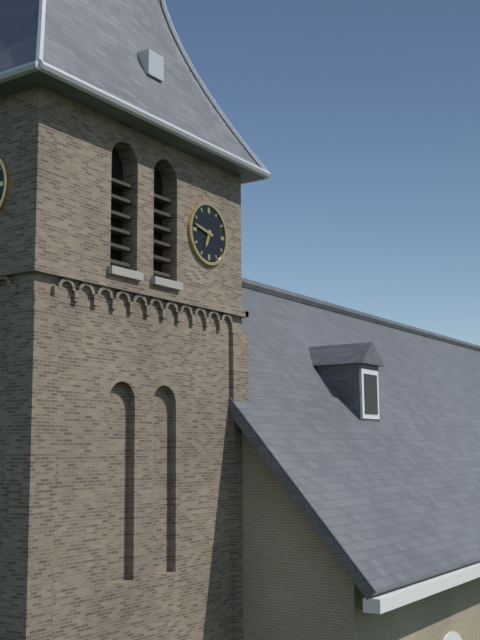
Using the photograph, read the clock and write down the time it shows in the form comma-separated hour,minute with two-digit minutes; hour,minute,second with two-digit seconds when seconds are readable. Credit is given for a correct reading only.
6,47
